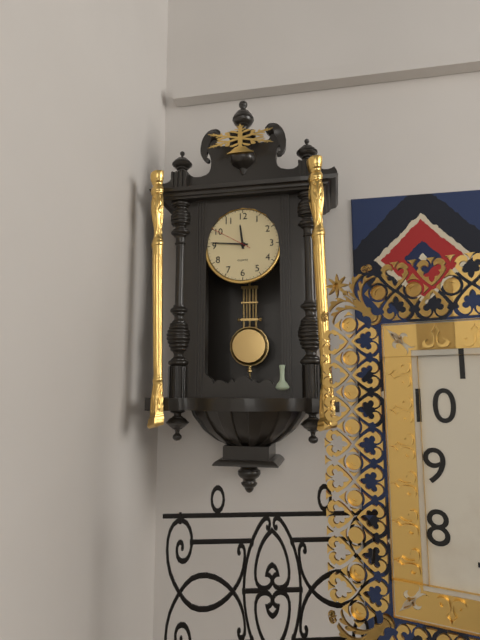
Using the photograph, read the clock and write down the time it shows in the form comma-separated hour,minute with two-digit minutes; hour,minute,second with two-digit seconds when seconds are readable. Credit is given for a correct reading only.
11,46
